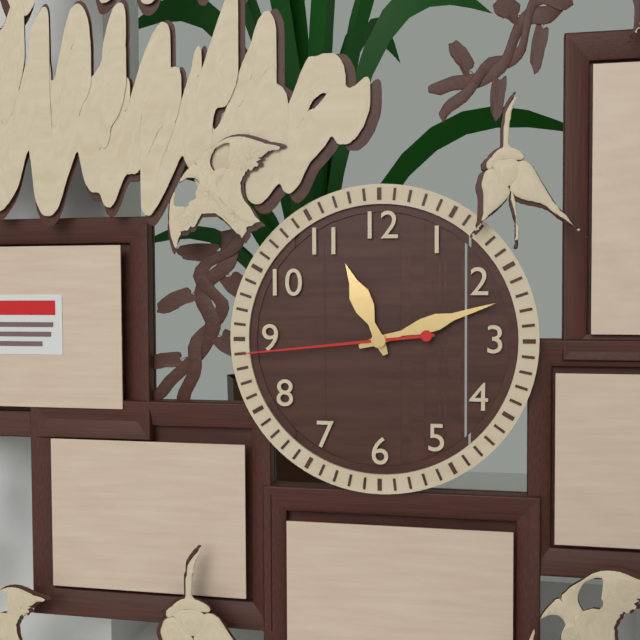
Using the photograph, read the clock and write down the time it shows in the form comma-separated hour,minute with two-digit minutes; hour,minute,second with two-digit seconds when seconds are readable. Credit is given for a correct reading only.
11,12,44
